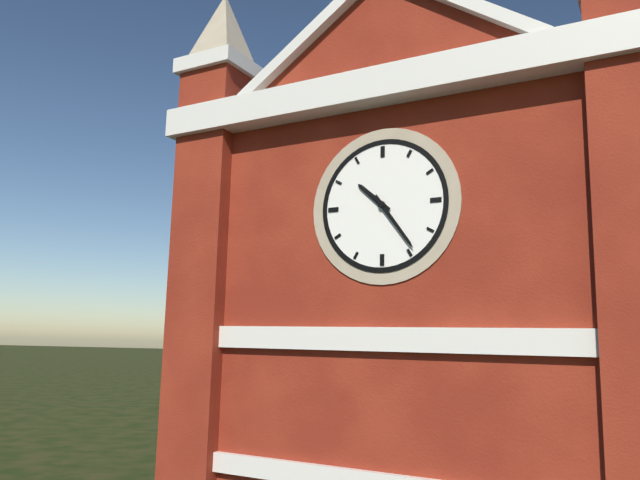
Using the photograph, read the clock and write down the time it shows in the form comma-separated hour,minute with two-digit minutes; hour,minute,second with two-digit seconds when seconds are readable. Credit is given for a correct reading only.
10,24
